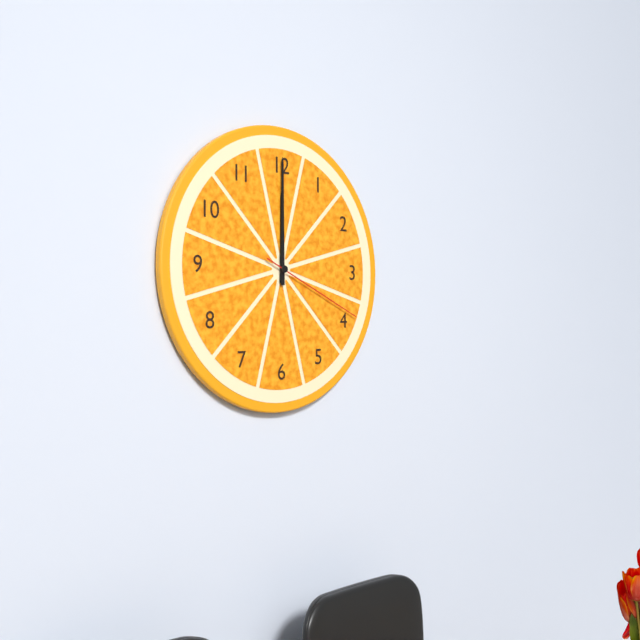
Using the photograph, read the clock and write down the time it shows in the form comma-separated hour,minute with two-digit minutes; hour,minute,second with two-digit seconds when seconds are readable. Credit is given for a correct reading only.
12,00,19
